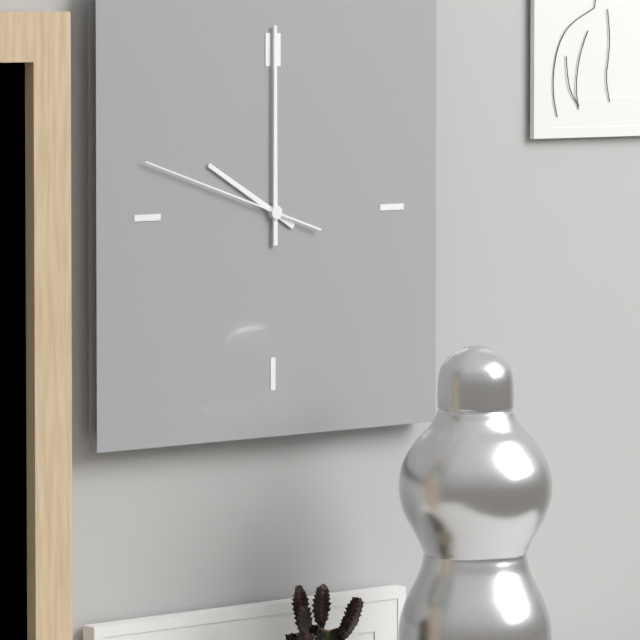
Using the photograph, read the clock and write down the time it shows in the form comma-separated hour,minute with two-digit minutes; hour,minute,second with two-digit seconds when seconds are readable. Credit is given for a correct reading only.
10,00,48
